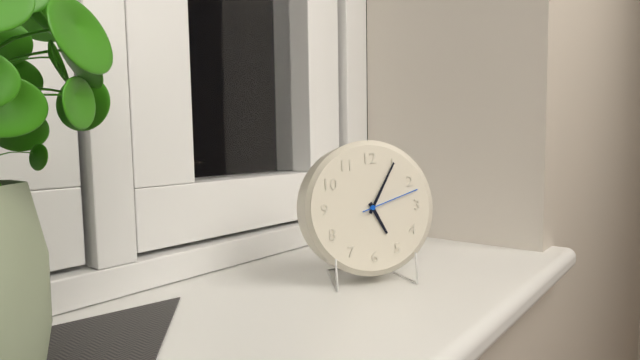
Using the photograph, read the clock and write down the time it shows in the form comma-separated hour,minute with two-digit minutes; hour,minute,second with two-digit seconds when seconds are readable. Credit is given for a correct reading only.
5,05,12
